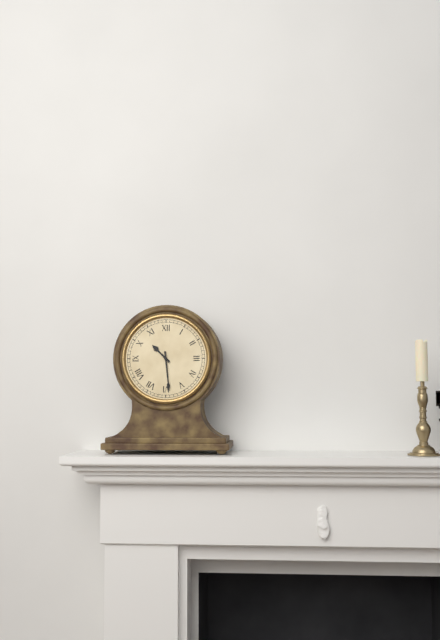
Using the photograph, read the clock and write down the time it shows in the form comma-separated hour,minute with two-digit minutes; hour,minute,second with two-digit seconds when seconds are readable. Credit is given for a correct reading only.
10,29
